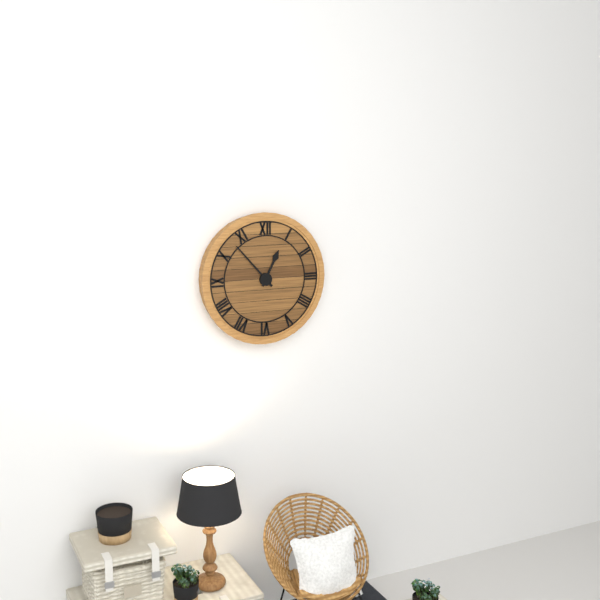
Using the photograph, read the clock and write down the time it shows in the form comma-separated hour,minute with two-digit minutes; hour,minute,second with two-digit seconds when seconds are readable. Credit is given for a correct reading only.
12,53
